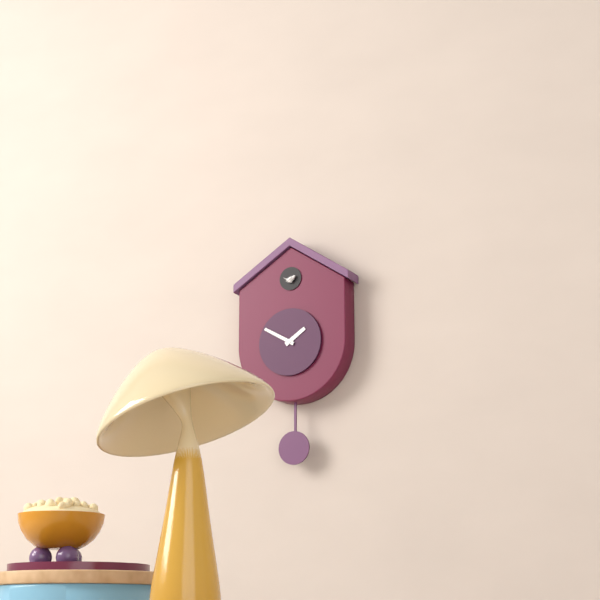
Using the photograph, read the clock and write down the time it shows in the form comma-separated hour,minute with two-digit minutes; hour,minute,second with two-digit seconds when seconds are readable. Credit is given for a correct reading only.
1,50
